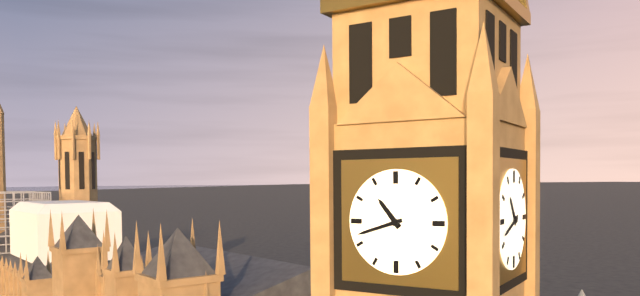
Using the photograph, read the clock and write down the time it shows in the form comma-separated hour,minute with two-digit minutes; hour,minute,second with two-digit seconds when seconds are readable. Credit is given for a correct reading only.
10,42
